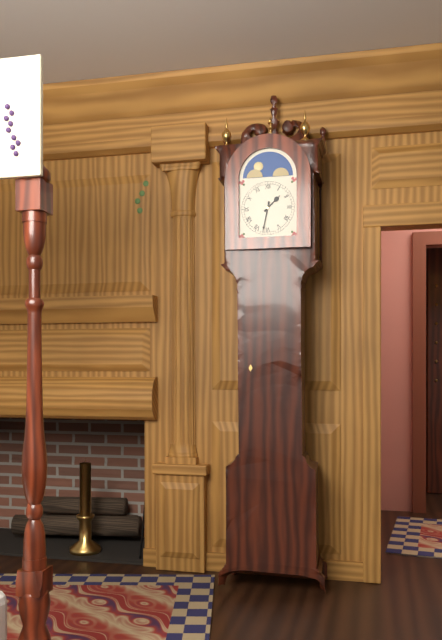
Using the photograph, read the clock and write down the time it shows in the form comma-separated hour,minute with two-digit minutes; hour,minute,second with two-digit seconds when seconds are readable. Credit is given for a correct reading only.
1,32
